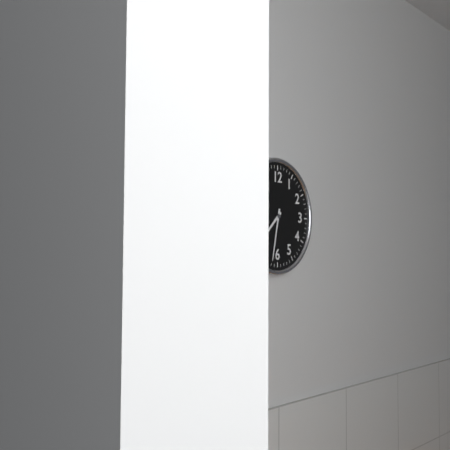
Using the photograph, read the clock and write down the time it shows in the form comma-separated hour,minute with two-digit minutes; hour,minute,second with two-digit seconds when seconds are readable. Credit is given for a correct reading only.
7,32
